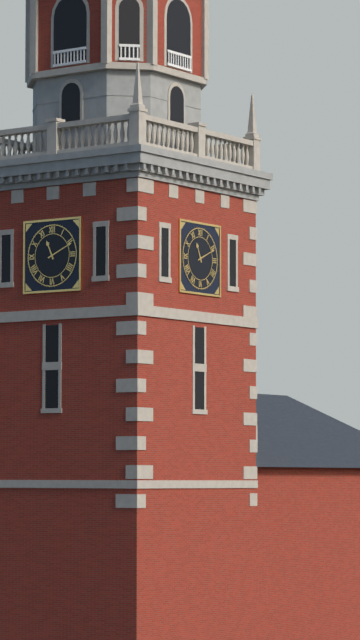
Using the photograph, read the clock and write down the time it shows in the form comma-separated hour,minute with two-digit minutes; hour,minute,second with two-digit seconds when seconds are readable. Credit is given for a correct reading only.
11,11
